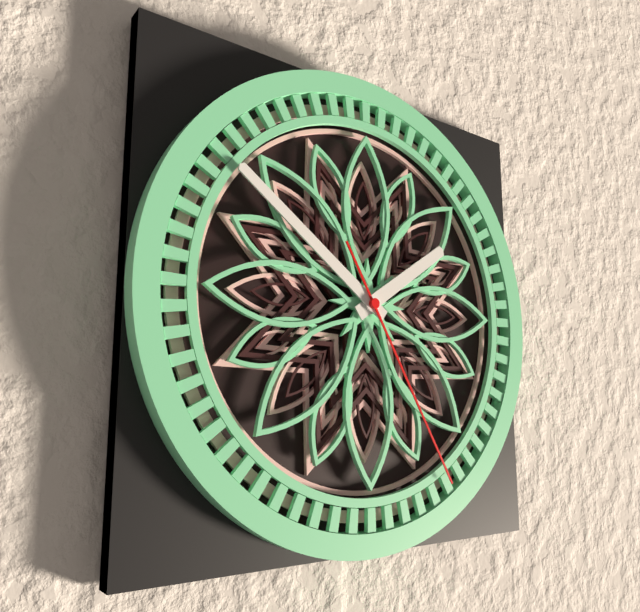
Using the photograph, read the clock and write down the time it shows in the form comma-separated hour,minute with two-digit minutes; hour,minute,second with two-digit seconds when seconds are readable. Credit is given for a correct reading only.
1,51,25
